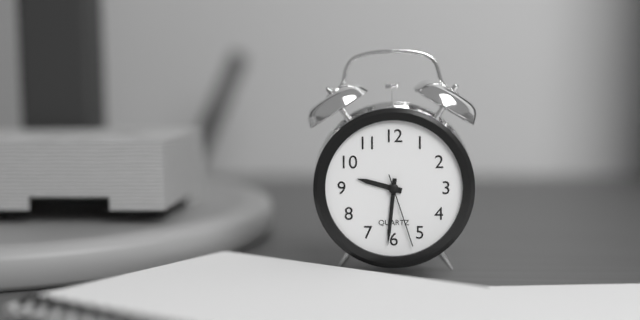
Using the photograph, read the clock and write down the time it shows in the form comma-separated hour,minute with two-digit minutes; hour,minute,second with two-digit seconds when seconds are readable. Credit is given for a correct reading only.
9,31,27
